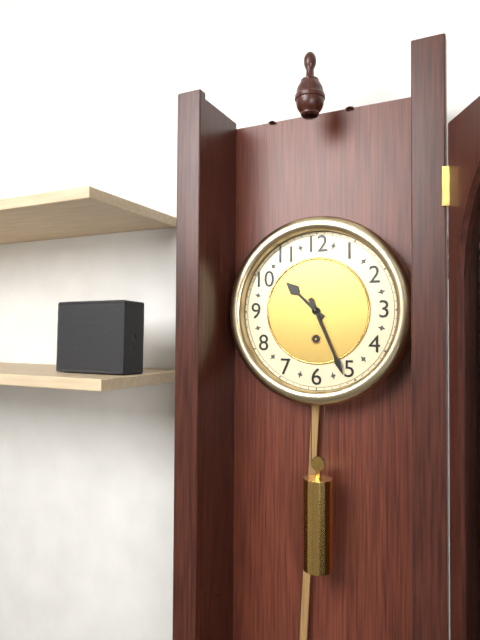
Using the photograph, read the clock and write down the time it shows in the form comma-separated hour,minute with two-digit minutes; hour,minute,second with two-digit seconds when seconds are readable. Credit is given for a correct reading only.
10,26
